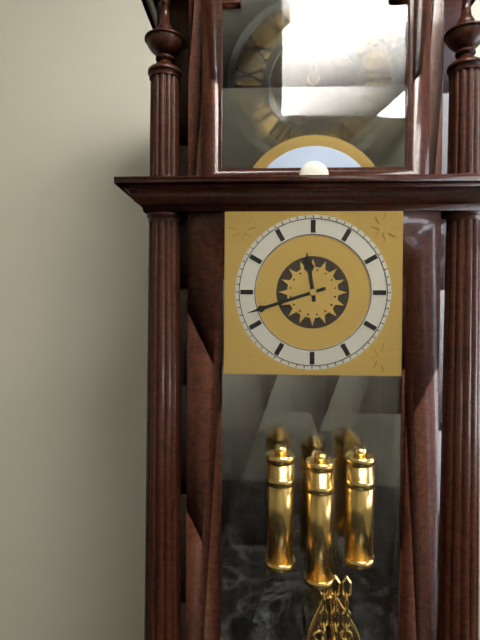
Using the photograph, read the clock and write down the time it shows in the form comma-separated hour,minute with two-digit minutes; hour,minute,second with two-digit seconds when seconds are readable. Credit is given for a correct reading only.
11,42
